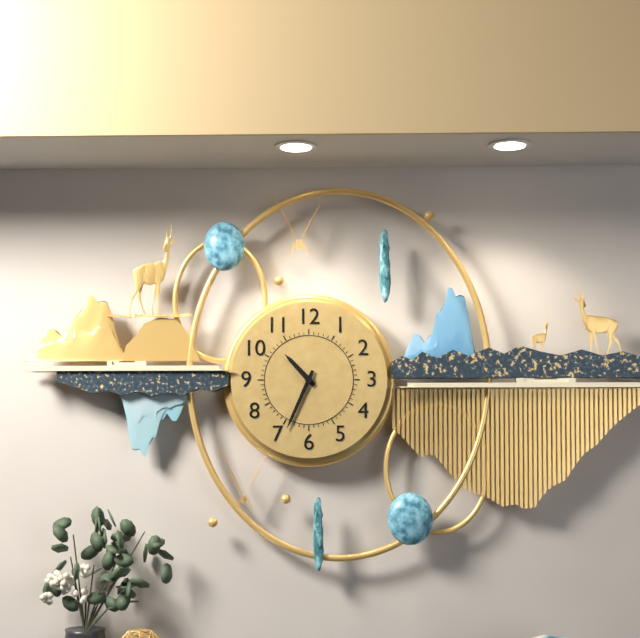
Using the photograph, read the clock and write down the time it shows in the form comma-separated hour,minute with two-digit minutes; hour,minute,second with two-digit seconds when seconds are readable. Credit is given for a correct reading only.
10,34
